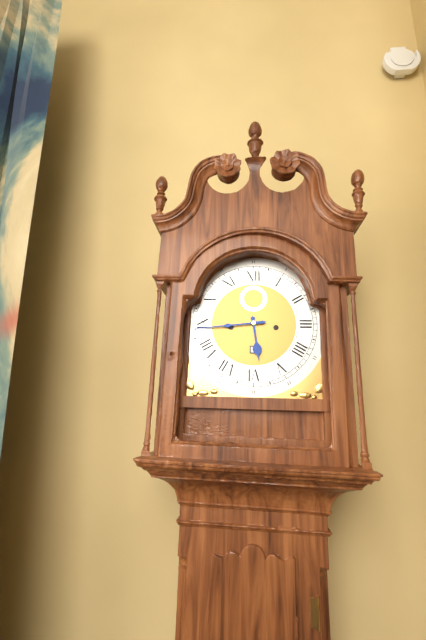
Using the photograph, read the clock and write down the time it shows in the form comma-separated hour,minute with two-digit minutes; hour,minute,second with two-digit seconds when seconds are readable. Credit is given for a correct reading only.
5,44
